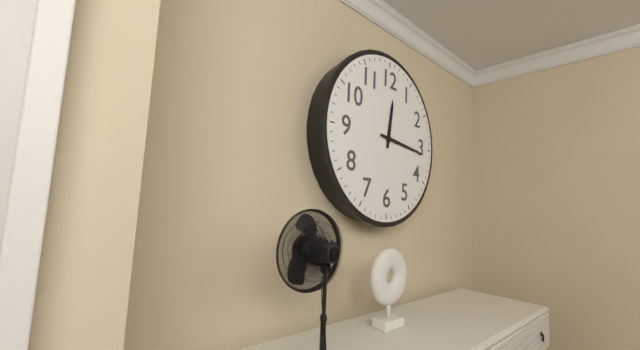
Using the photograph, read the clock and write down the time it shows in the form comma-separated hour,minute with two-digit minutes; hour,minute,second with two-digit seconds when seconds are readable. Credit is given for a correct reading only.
12,16
